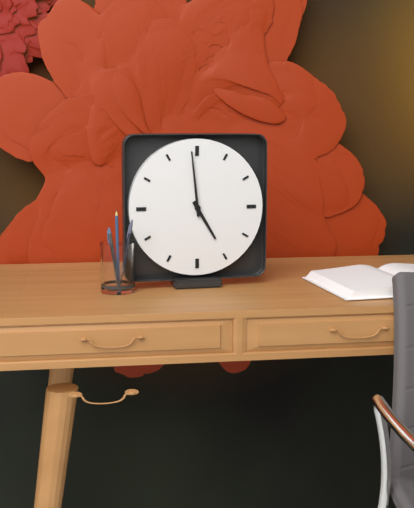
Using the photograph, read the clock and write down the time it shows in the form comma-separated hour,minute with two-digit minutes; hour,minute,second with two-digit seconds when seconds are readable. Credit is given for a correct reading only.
4,59
